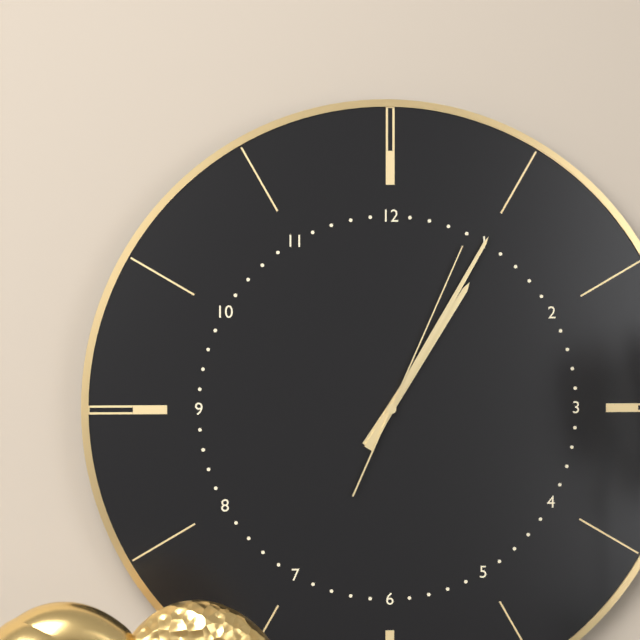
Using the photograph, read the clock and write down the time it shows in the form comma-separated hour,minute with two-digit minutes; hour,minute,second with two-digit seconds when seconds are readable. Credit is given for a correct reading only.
1,05,04
